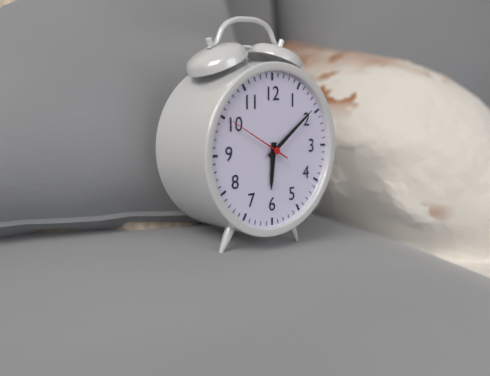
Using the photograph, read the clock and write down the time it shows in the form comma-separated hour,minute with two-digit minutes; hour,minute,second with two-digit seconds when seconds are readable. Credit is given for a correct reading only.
6,09,50
